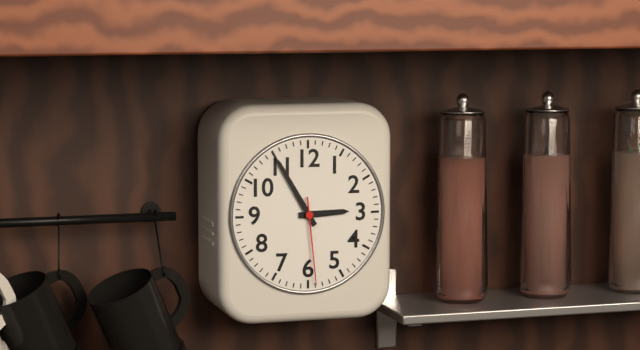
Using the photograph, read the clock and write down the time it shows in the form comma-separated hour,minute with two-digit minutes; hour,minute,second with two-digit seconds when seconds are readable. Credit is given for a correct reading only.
2,55,29
